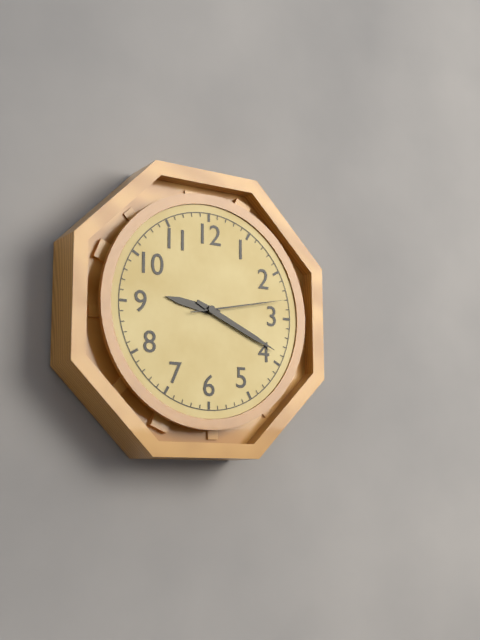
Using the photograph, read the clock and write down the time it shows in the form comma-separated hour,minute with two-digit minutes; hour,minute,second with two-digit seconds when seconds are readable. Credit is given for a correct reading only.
9,19,13
